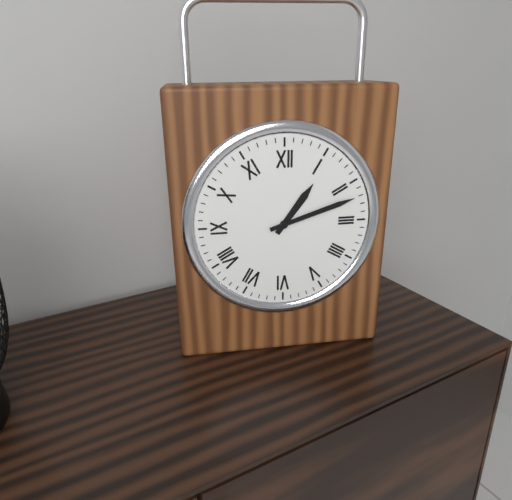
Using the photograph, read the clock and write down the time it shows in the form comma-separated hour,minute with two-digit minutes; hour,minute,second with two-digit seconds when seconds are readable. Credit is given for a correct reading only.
1,12
